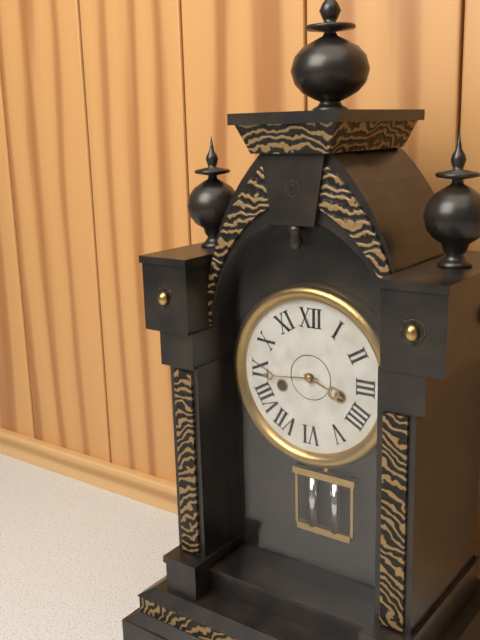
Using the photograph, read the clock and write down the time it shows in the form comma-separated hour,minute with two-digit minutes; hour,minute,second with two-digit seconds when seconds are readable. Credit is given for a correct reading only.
3,44
